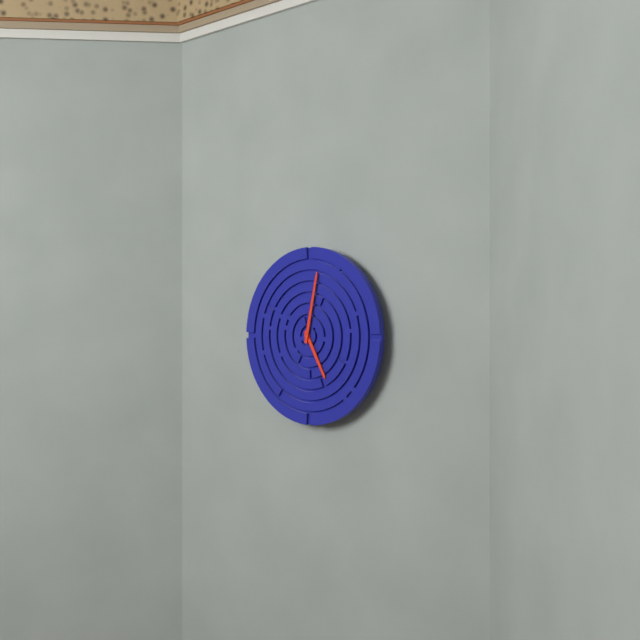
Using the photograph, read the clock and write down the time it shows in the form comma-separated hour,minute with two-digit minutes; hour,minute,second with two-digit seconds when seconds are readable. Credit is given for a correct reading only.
5,02
